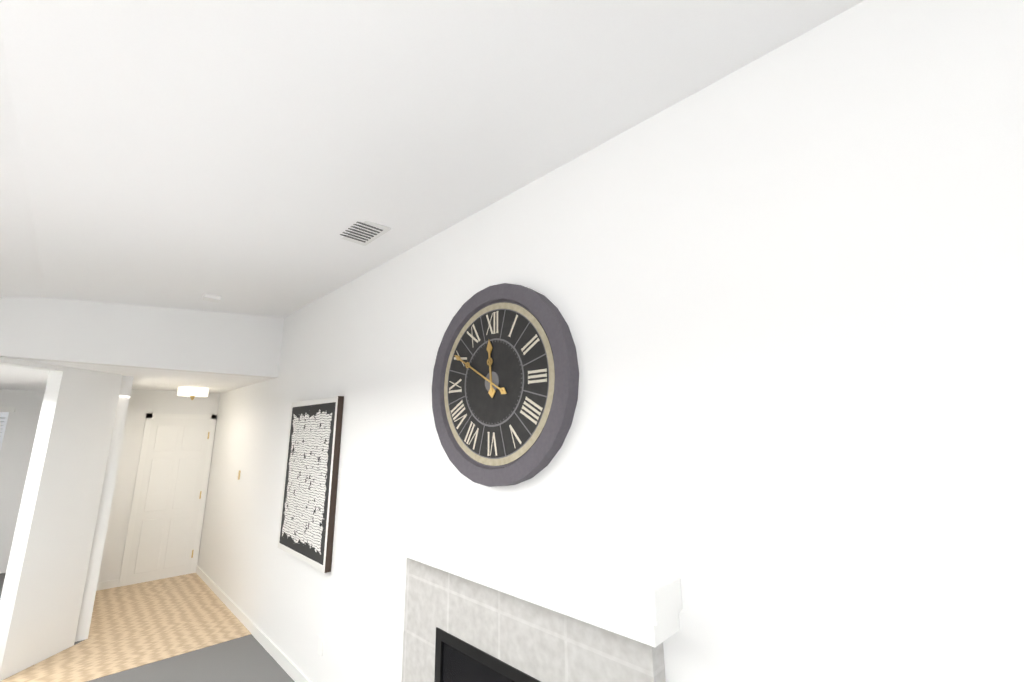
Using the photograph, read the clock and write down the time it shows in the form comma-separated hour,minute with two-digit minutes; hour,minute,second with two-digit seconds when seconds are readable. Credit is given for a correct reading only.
11,50
